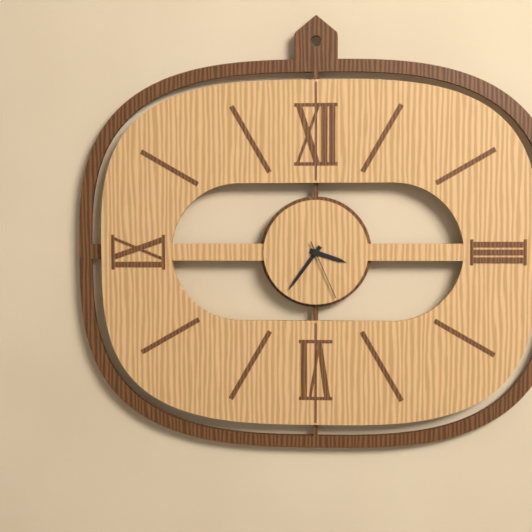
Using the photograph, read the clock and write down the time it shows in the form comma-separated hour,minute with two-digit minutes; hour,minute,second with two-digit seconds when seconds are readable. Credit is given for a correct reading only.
3,36,26
